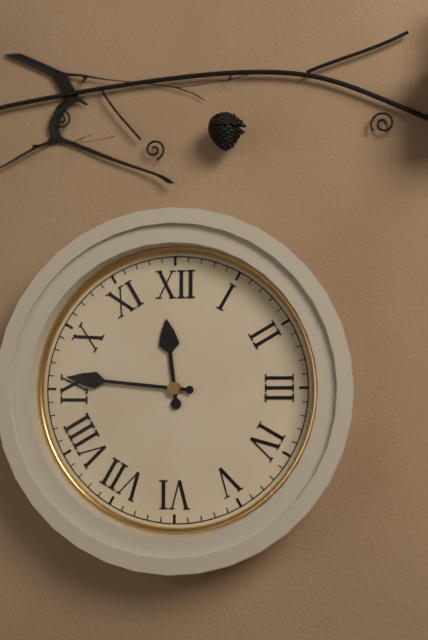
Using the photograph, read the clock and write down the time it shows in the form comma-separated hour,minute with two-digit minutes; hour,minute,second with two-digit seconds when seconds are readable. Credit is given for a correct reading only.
11,46
